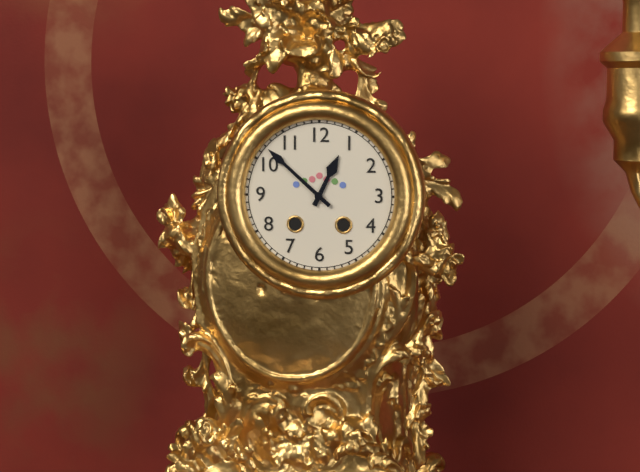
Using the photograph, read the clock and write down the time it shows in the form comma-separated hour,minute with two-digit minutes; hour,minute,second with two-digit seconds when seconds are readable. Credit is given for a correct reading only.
12,52
